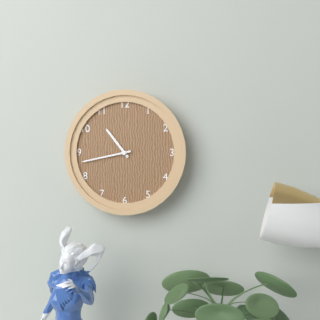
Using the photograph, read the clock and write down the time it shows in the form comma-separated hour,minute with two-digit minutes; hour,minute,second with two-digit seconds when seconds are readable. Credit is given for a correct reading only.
10,43
